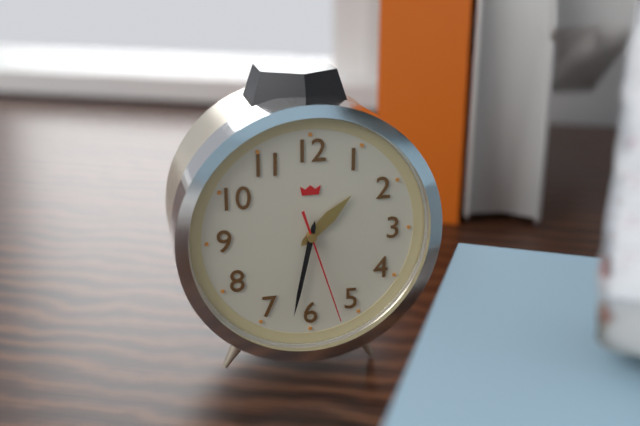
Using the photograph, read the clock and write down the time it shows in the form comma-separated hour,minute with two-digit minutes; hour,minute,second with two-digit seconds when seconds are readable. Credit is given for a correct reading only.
1,32,27
